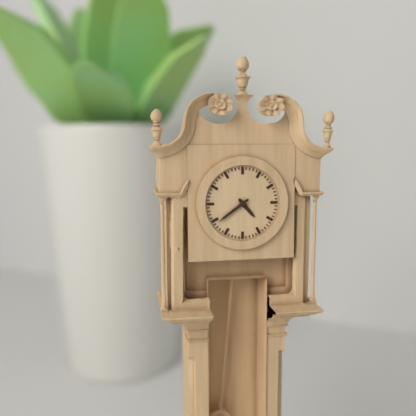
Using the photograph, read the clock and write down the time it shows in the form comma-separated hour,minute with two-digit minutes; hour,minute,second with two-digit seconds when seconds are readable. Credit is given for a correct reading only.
4,39
